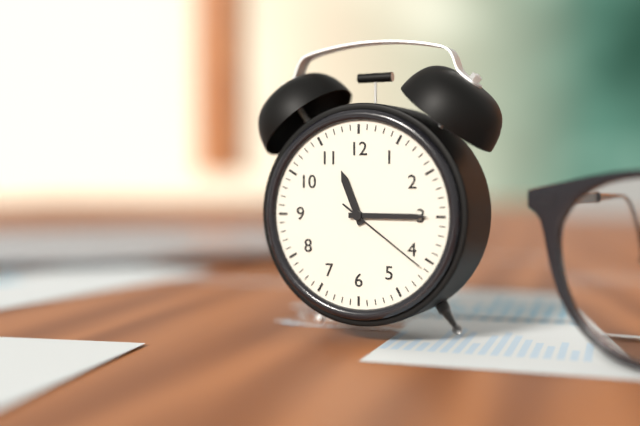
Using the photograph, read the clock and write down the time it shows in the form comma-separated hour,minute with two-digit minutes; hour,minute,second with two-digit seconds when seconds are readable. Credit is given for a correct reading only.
11,15,21
